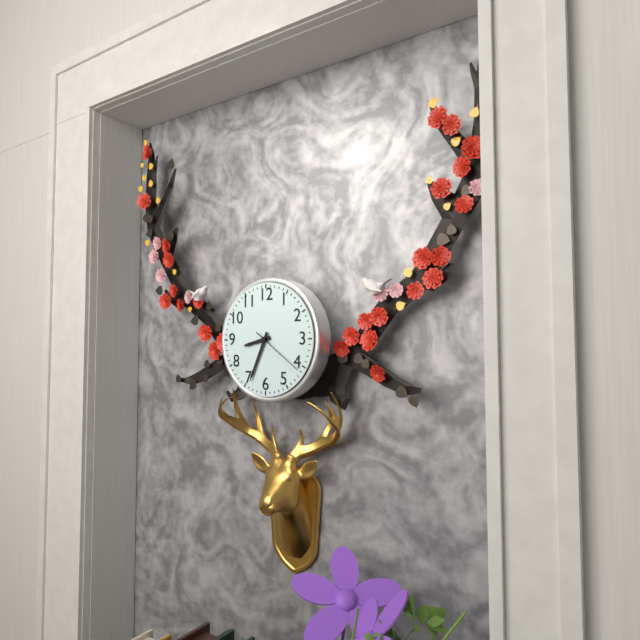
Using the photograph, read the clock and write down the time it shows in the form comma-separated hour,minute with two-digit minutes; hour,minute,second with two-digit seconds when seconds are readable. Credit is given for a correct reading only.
8,34,21
